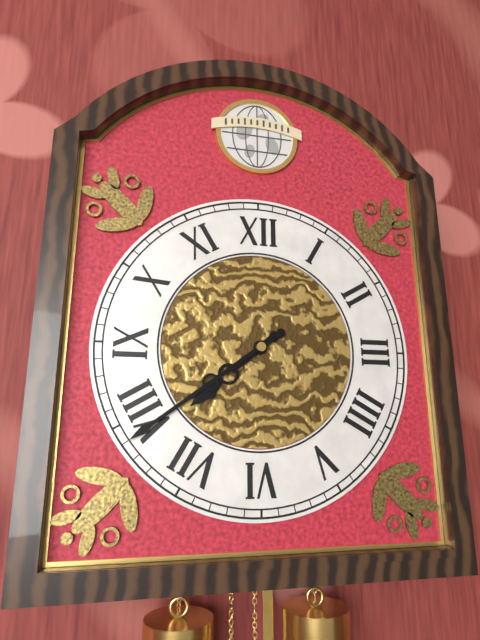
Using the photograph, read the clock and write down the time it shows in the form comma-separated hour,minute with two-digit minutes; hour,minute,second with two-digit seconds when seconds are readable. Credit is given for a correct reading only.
7,39
